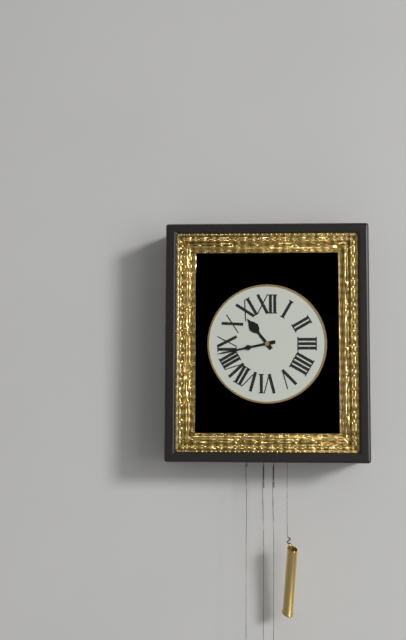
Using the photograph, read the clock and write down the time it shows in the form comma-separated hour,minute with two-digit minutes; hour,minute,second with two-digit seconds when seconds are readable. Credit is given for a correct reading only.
10,43
